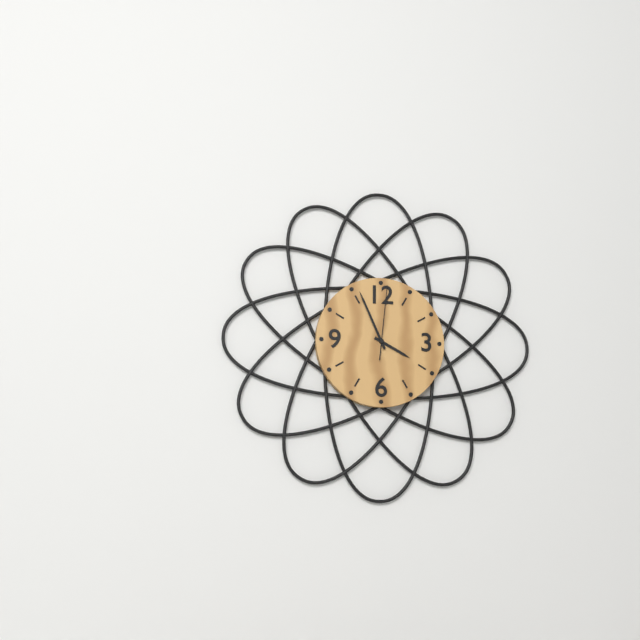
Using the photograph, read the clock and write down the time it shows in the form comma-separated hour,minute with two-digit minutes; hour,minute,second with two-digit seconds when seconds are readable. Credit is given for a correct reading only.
3,56,01
